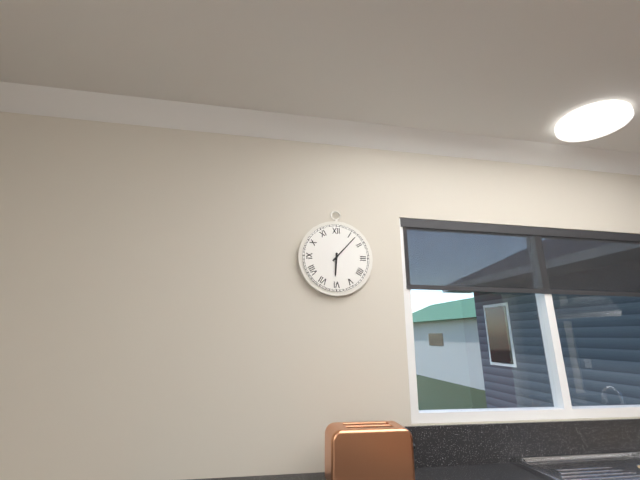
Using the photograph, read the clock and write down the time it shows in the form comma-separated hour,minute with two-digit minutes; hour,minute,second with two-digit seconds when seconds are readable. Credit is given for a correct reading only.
6,07
